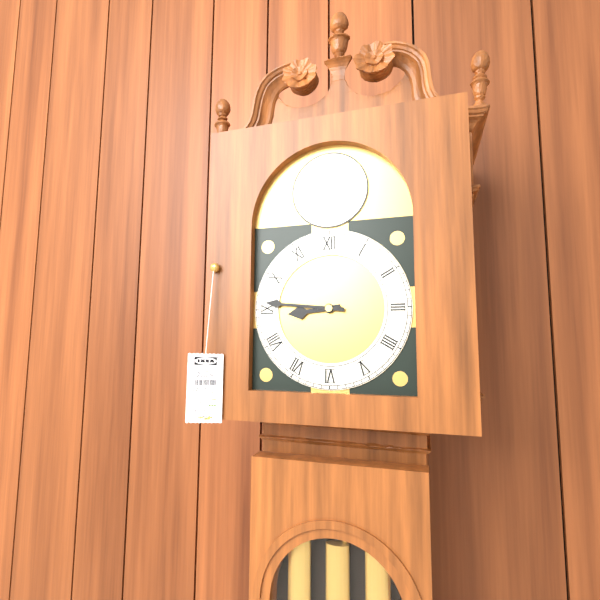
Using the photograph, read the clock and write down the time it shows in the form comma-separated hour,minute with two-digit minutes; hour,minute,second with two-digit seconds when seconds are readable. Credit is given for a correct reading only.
8,46
